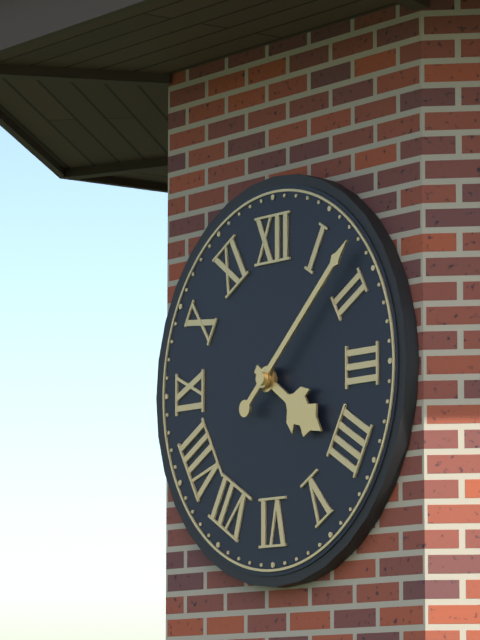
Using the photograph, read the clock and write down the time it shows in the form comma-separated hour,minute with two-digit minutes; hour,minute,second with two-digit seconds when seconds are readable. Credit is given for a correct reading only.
4,08
